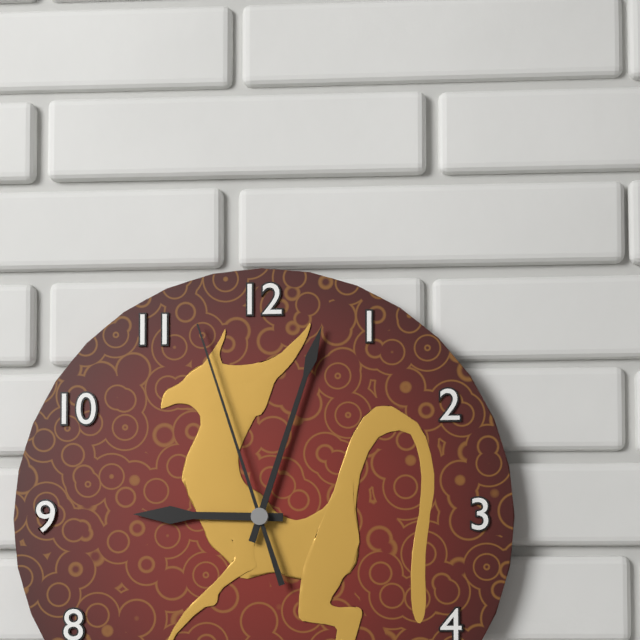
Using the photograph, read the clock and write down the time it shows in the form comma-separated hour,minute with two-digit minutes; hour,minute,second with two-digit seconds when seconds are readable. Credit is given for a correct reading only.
9,03,57
